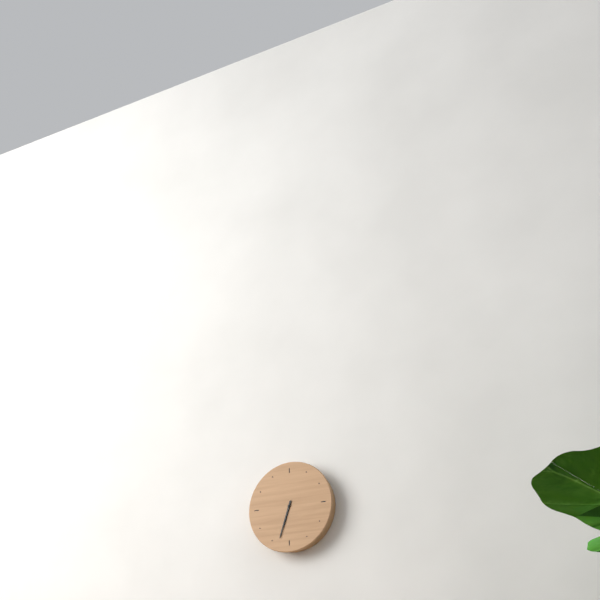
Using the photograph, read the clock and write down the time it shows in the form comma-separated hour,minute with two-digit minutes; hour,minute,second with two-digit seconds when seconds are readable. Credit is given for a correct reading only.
6,33
